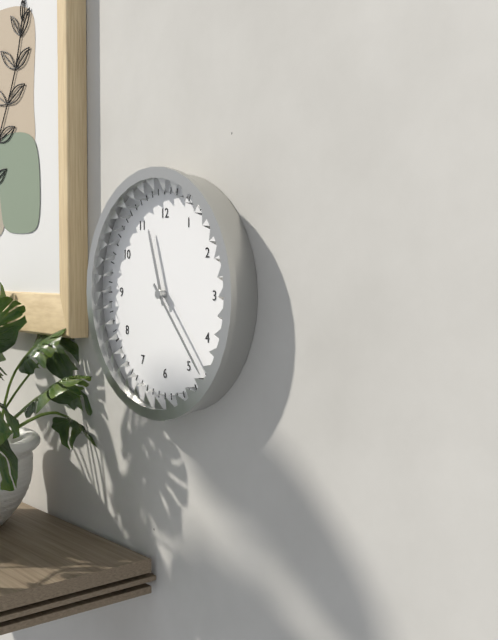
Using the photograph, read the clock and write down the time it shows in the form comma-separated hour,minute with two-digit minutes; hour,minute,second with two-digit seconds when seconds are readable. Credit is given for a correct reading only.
11,23
